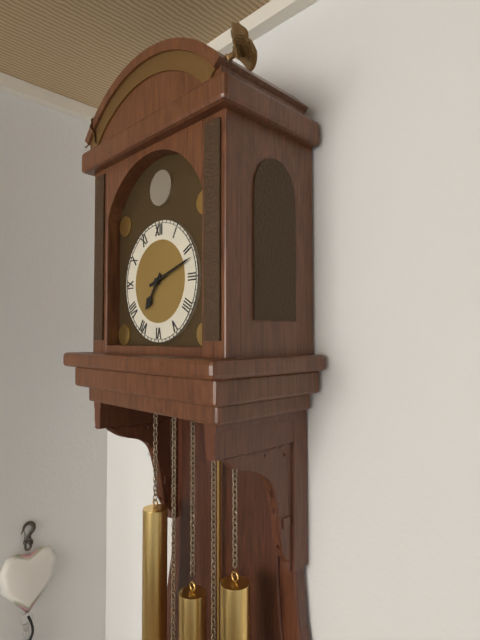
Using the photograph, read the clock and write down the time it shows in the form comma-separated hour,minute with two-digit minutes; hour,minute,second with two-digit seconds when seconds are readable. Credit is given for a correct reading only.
7,12
